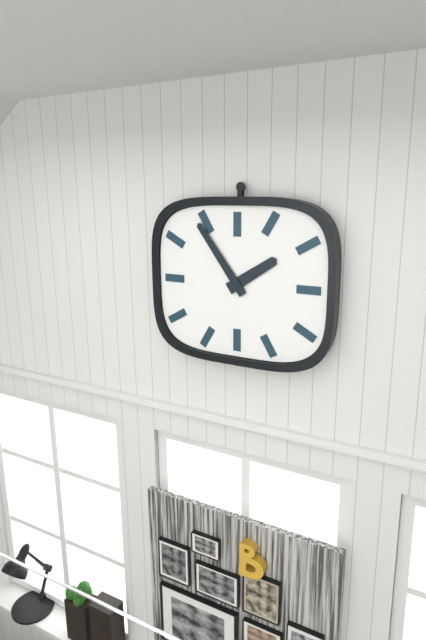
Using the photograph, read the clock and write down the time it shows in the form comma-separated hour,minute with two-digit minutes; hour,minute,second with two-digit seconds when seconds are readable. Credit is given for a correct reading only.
1,54
